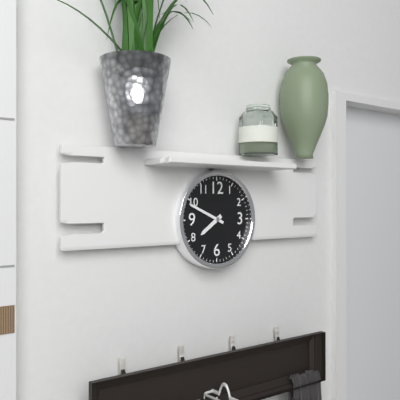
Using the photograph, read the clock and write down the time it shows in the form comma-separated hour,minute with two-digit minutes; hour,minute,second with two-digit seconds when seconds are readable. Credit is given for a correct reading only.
7,49
